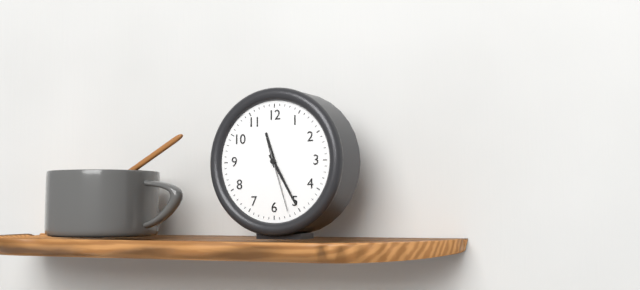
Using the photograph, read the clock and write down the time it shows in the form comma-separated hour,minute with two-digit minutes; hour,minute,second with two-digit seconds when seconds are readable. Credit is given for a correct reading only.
11,25,27
